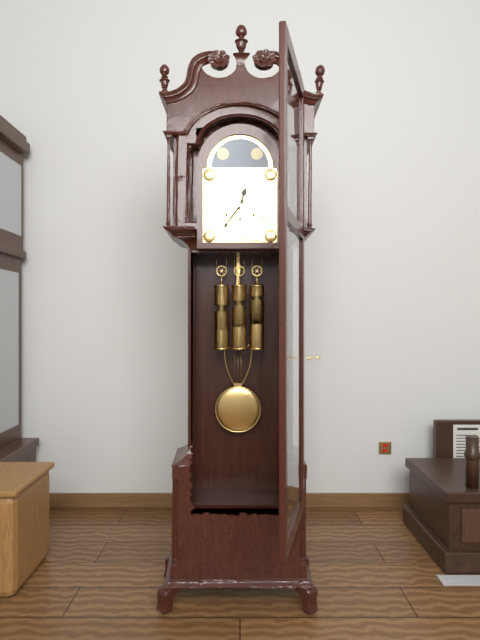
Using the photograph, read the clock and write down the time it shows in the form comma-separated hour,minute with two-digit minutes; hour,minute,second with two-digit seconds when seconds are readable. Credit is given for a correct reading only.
12,36
